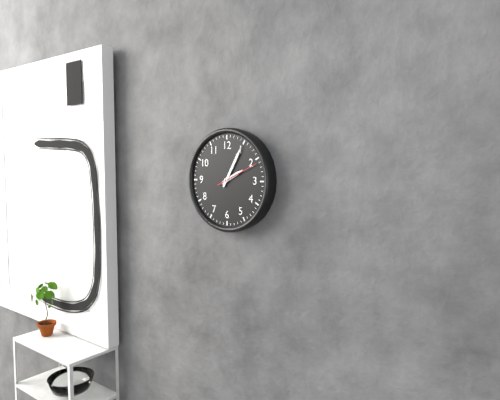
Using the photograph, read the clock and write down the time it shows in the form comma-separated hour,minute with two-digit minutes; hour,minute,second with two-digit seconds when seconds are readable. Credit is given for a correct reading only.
2,05
